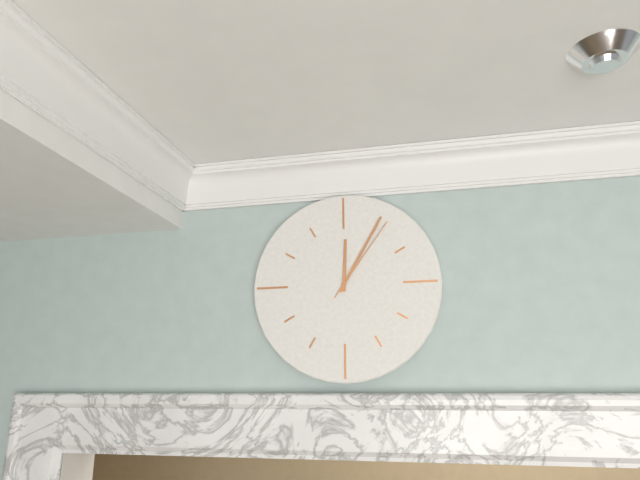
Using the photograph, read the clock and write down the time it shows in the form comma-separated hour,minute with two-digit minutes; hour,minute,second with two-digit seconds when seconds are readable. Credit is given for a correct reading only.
12,05,06
